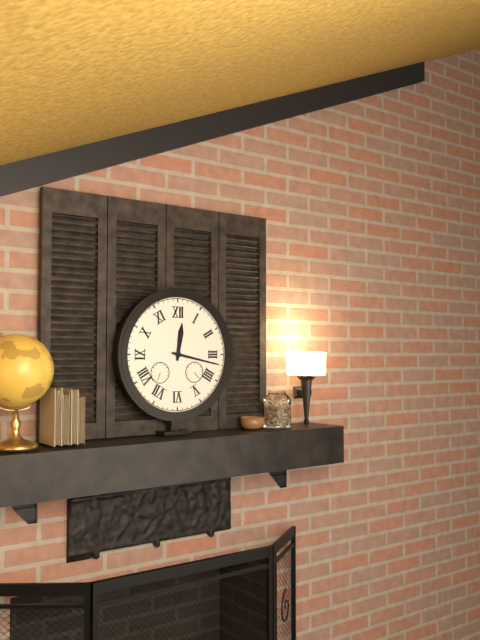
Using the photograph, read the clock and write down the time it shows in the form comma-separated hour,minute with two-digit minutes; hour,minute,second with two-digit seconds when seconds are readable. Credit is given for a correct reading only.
12,17
